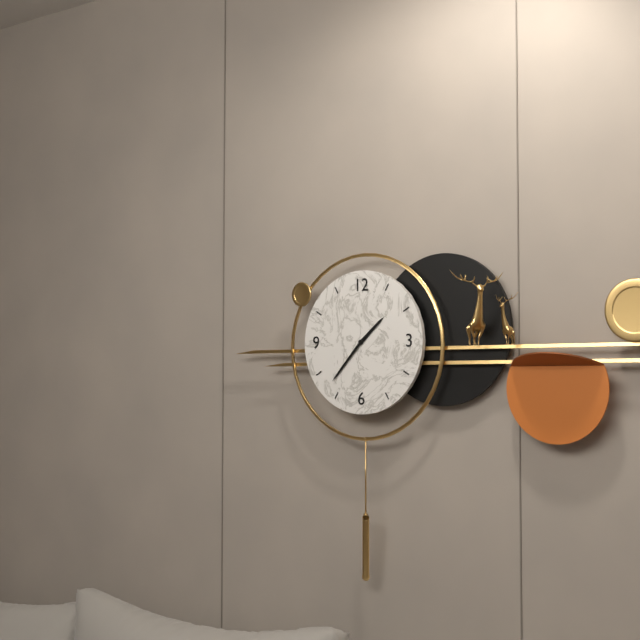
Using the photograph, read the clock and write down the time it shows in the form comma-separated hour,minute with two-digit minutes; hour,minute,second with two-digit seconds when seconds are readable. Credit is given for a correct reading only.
1,37
